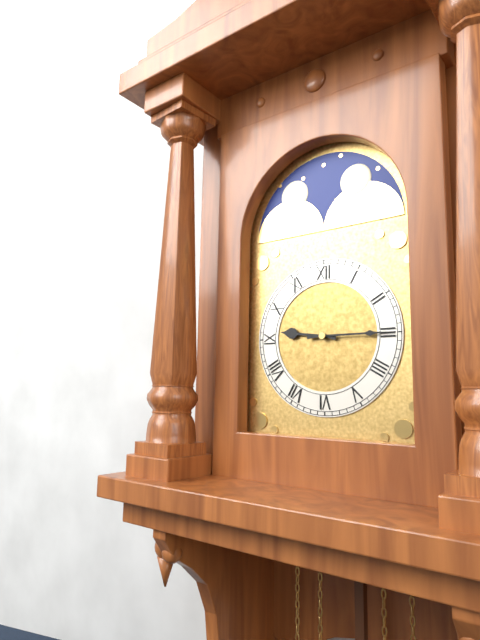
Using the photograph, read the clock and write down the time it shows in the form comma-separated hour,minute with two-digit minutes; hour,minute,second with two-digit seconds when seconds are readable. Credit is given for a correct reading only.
9,15
